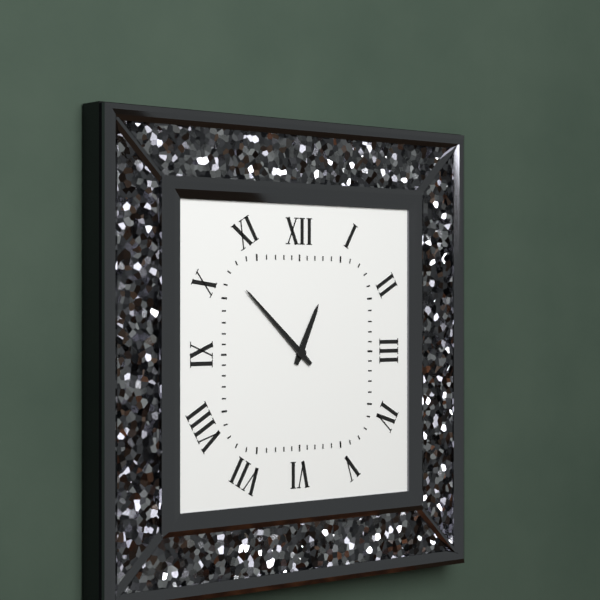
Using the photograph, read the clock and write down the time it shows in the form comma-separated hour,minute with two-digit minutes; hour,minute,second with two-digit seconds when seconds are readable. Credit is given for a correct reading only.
12,52
